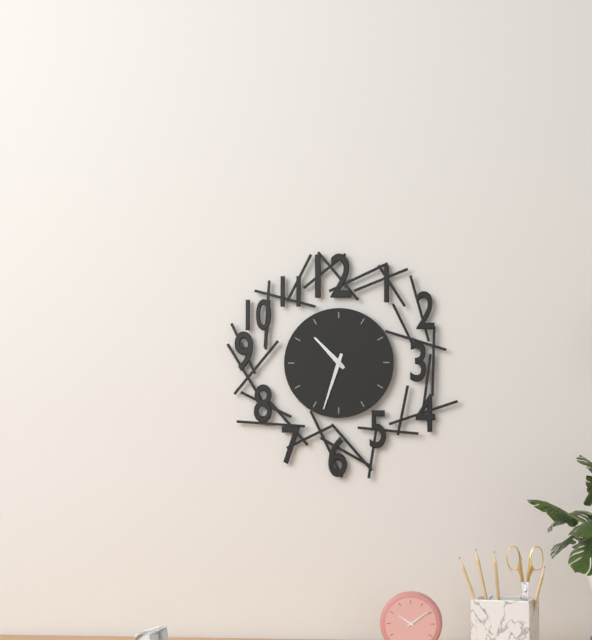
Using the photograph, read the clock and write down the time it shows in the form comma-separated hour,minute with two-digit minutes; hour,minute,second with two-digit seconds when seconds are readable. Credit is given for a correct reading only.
10,33
